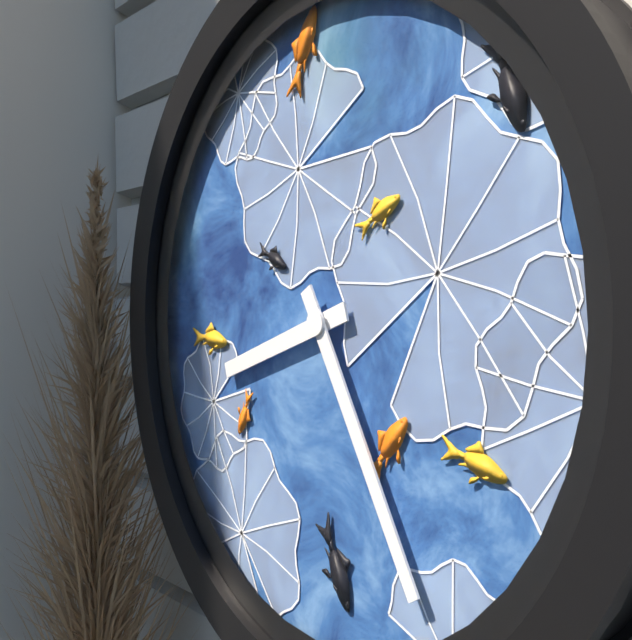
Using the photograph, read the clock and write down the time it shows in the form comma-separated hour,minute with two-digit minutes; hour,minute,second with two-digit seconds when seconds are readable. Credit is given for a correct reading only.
8,25
